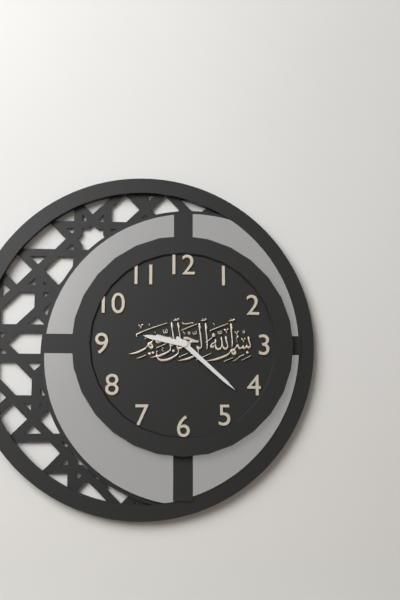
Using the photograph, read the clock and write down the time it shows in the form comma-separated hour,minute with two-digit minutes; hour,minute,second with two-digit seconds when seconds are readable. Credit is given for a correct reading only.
9,22
